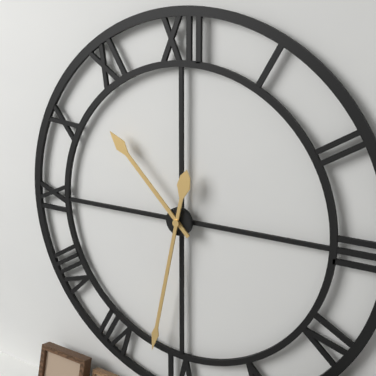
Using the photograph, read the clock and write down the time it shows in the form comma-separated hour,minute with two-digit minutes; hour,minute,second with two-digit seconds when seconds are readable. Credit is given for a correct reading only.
10,32
